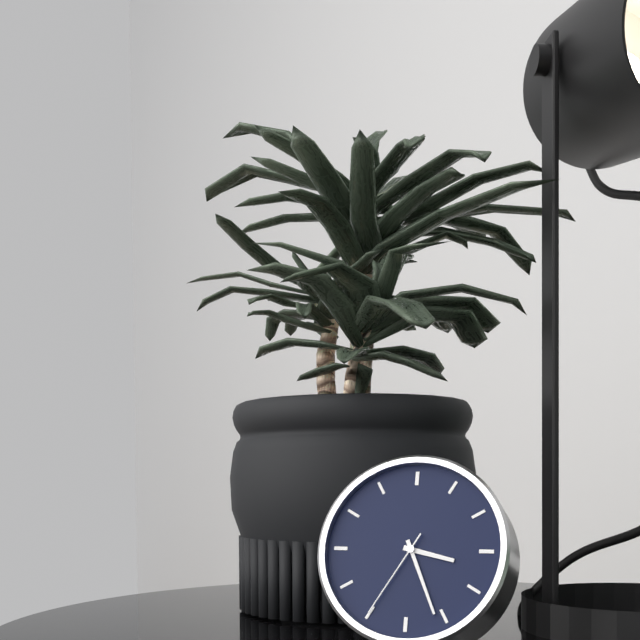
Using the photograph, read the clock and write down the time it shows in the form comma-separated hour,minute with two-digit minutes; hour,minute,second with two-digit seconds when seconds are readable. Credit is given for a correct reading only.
3,26,35
